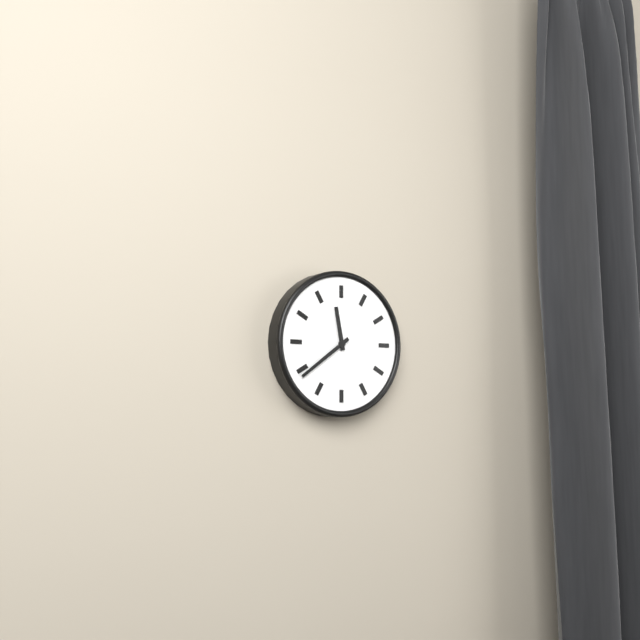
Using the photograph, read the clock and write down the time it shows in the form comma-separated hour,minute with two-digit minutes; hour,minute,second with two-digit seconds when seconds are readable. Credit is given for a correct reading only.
11,39
